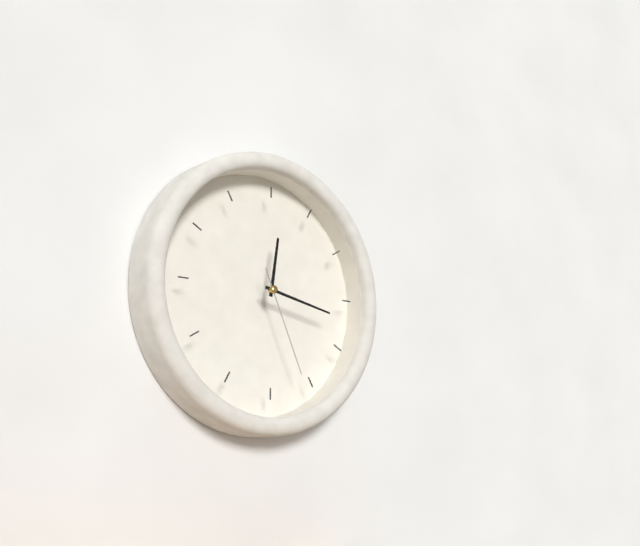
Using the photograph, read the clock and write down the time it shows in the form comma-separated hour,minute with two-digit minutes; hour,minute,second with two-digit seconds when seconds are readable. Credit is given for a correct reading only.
12,17,26
